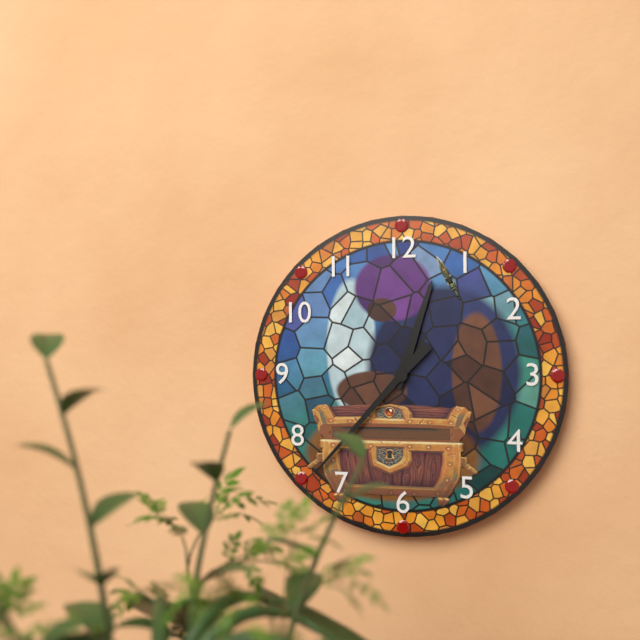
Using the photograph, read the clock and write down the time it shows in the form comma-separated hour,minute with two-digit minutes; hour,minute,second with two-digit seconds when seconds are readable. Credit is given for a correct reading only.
12,37
